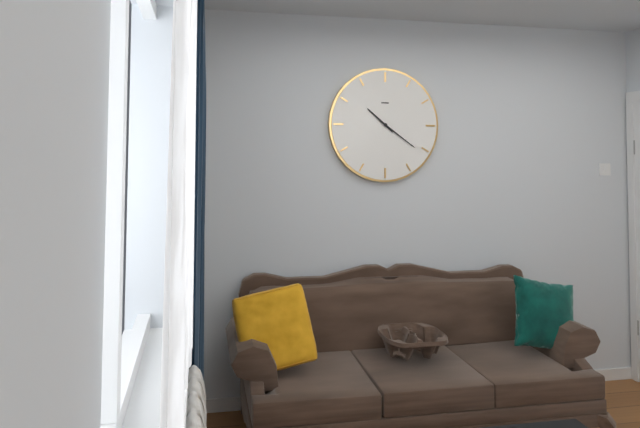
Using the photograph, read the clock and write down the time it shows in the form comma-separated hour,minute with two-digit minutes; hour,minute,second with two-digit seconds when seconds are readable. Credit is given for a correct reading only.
10,21
